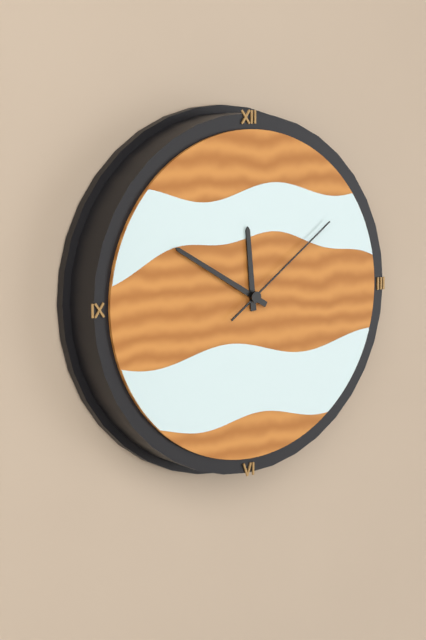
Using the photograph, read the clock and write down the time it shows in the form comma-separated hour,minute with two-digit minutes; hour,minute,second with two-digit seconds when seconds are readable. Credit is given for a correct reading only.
11,50,09
